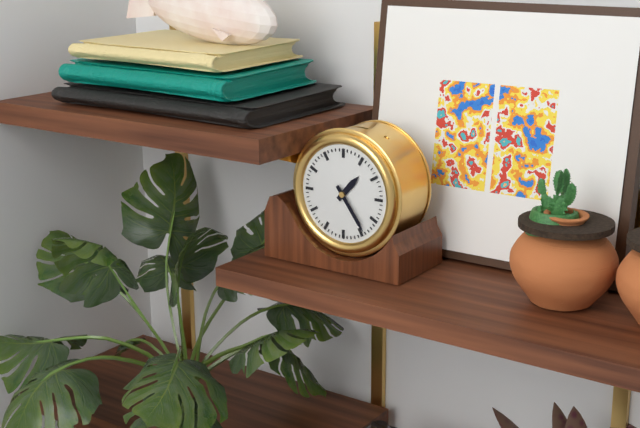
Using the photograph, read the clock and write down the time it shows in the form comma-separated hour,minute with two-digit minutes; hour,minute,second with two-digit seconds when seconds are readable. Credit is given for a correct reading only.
1,24
